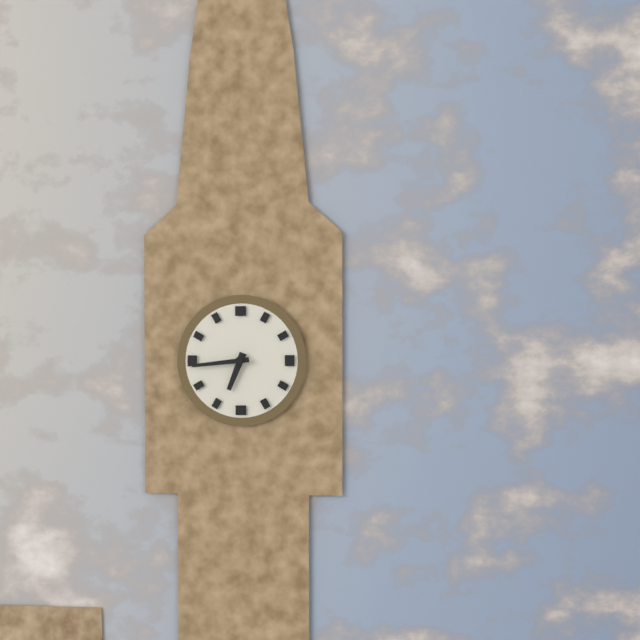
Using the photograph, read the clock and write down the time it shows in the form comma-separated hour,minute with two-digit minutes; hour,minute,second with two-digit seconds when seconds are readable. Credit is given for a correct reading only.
6,44
